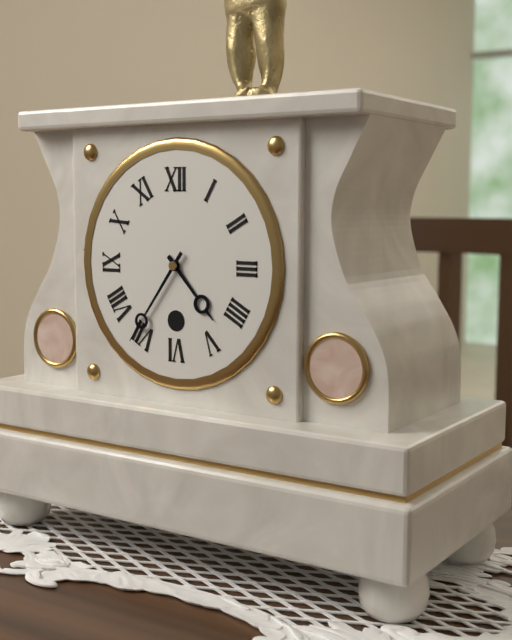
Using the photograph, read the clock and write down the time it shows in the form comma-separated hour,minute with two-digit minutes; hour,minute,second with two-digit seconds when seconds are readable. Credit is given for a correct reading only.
4,36
